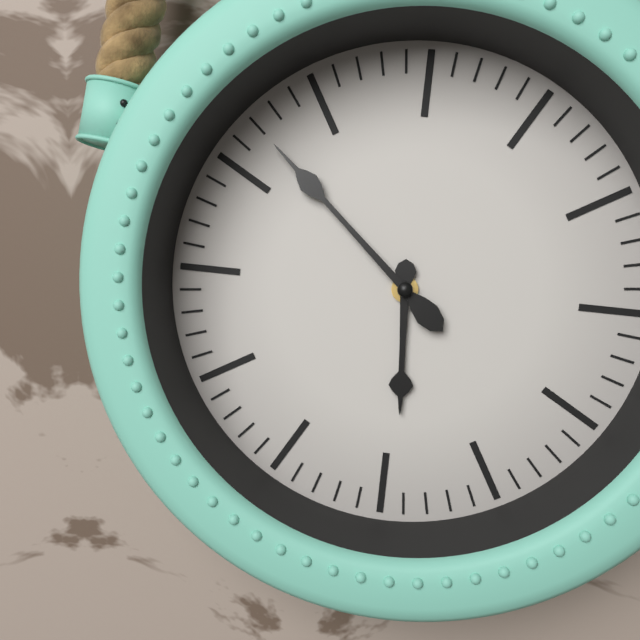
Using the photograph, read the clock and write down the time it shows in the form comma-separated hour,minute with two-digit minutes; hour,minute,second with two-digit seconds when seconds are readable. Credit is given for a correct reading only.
5,52
